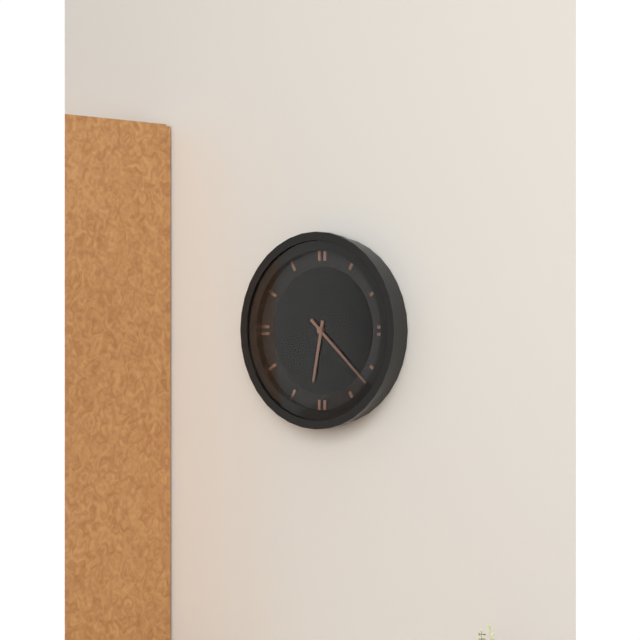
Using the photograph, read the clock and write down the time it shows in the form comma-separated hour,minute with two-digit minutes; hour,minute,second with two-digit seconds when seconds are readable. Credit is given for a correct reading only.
6,22
